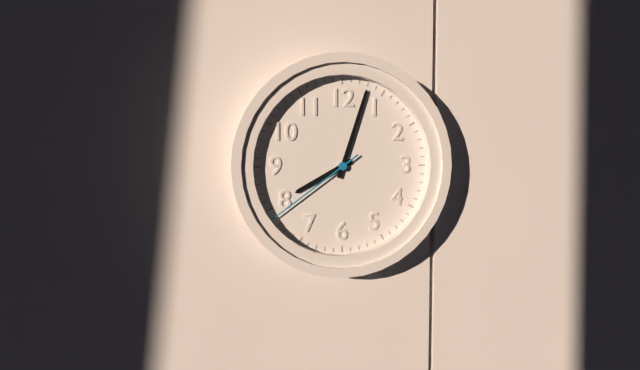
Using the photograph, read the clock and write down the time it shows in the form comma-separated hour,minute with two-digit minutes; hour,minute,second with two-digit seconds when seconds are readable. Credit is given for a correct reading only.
8,03,39
